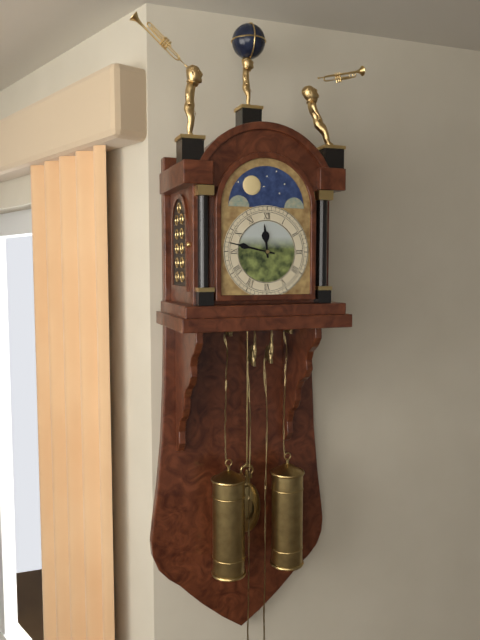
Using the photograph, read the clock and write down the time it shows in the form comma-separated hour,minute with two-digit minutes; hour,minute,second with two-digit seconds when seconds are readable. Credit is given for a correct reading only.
11,47
